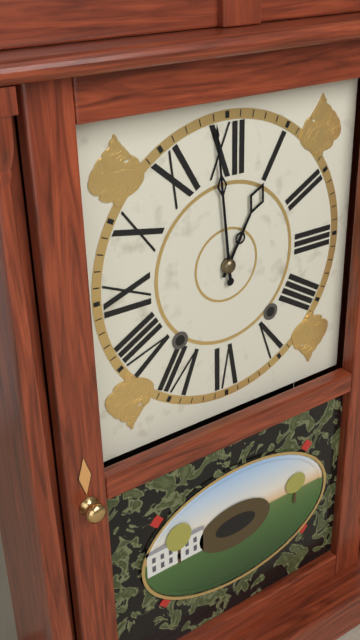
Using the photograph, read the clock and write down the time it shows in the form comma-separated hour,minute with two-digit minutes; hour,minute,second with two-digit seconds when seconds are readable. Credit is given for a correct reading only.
12,59
